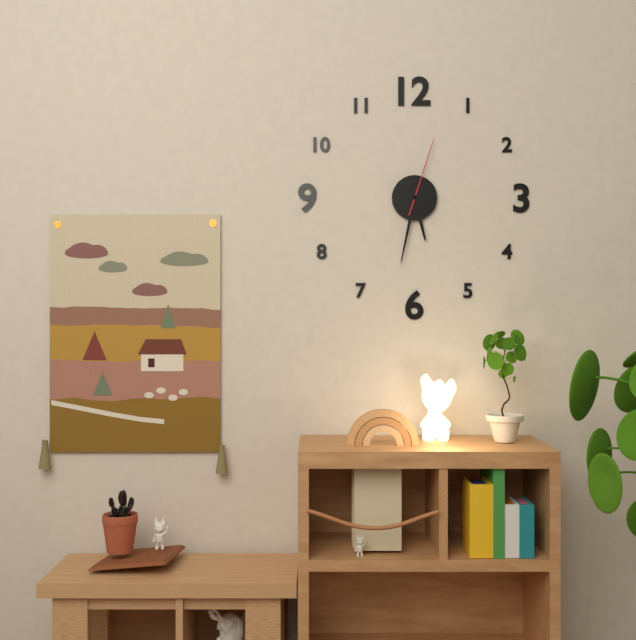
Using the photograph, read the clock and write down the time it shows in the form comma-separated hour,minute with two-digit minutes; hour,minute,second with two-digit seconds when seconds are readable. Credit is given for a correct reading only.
5,32,03
